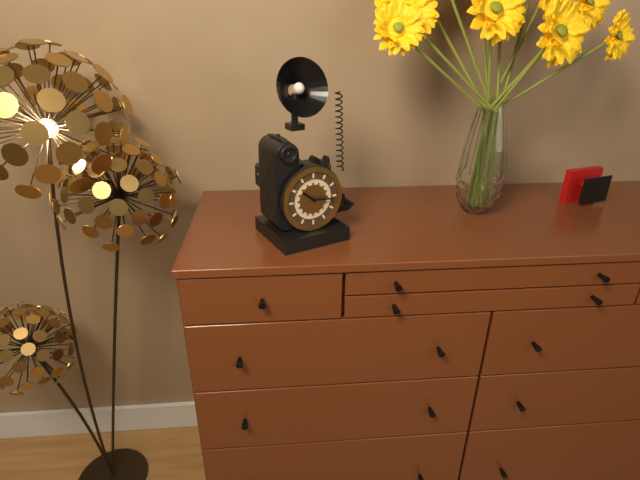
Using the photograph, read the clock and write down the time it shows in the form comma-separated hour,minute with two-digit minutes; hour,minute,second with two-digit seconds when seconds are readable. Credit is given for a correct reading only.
10,16
